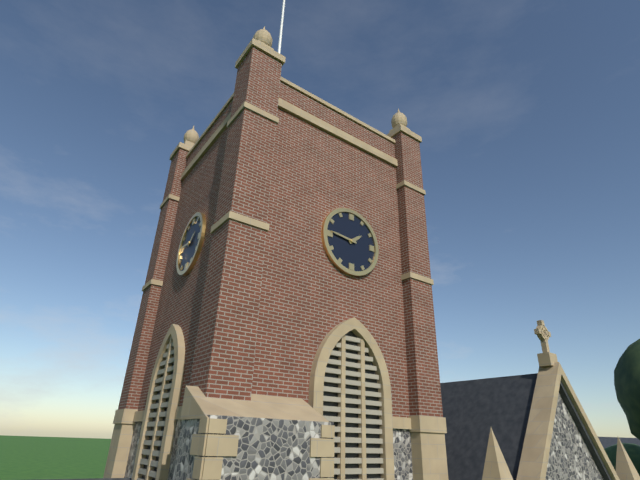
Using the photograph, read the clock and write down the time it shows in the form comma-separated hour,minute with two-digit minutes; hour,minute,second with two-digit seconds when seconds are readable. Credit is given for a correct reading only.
1,46
